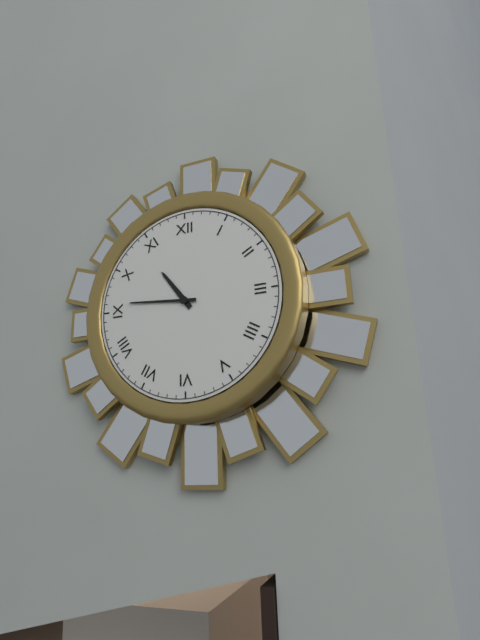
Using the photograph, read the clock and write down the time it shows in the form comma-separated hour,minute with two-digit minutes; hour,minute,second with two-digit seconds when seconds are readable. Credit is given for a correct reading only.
10,46
